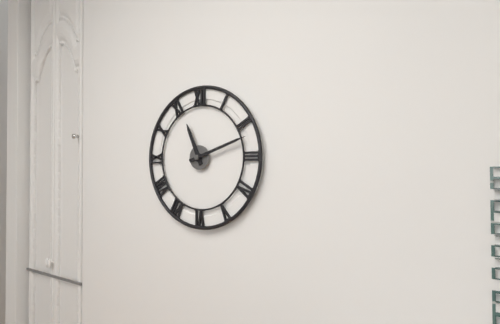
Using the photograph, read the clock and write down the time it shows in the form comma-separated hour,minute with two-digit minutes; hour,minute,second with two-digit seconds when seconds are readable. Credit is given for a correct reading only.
11,12
